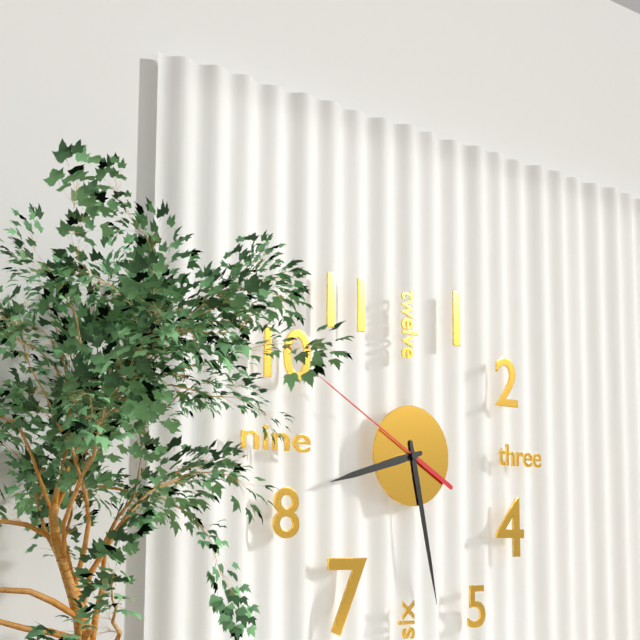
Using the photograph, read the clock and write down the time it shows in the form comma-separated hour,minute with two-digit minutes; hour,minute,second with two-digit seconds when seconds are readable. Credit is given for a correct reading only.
8,28,50
